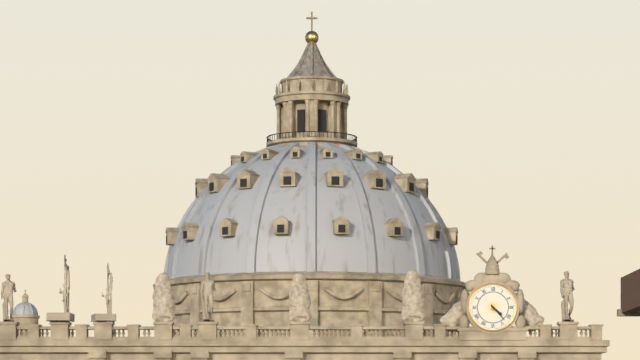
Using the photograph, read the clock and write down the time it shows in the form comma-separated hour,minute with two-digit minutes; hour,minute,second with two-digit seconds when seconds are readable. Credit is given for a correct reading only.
4,23
